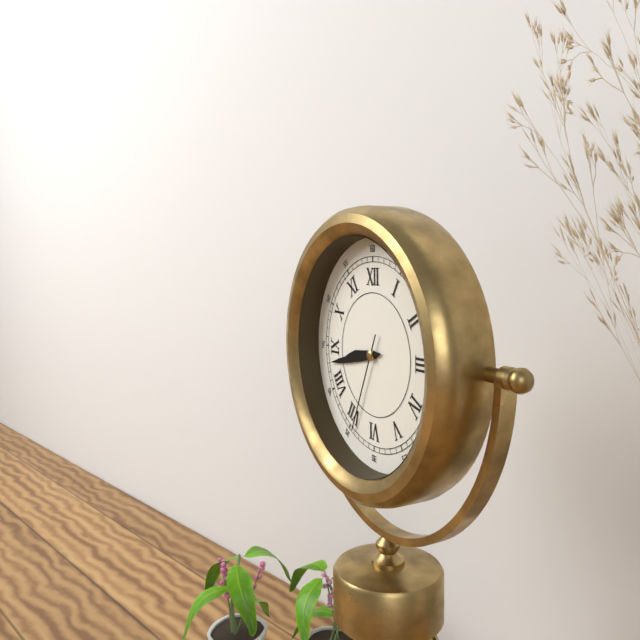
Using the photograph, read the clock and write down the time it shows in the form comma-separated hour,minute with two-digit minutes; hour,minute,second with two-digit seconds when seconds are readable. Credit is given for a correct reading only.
8,43,34
